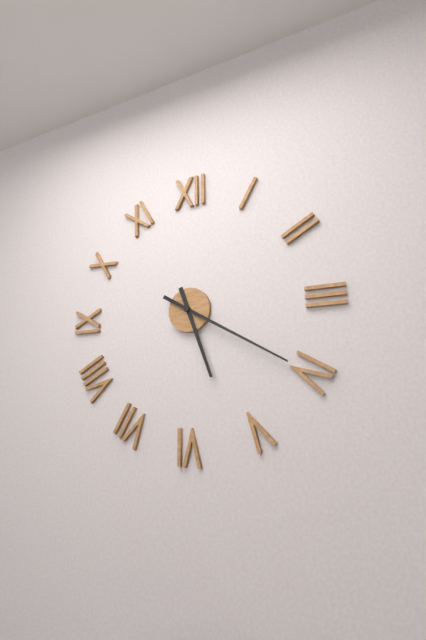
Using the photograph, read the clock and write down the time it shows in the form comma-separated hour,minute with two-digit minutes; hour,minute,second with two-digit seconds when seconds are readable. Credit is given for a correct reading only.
5,20
